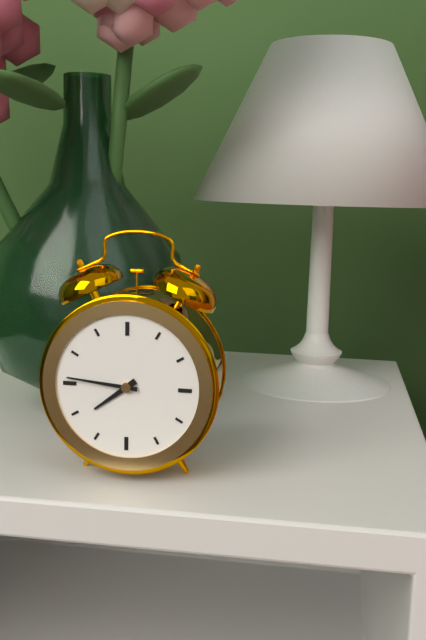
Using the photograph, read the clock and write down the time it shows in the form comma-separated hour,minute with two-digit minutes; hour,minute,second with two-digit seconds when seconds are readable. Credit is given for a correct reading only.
7,46
